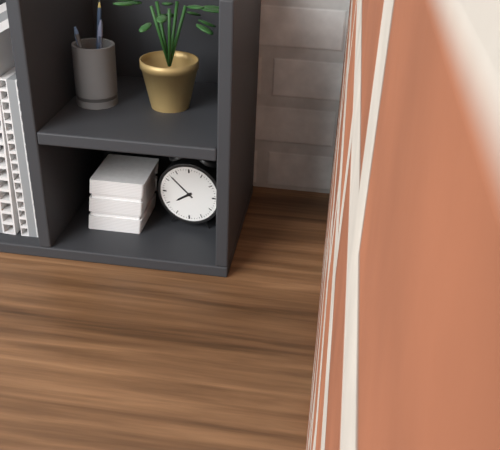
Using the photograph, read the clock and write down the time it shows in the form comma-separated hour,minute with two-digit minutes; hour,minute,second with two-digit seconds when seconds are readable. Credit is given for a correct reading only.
7,52
